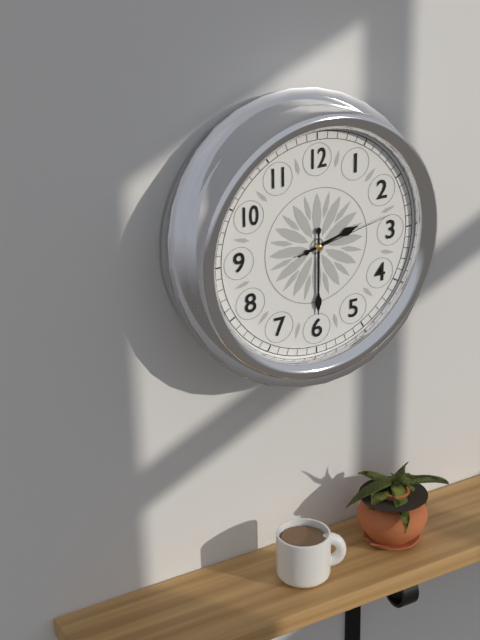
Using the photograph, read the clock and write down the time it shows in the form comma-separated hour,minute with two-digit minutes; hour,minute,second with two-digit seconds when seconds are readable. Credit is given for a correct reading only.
2,30,13
